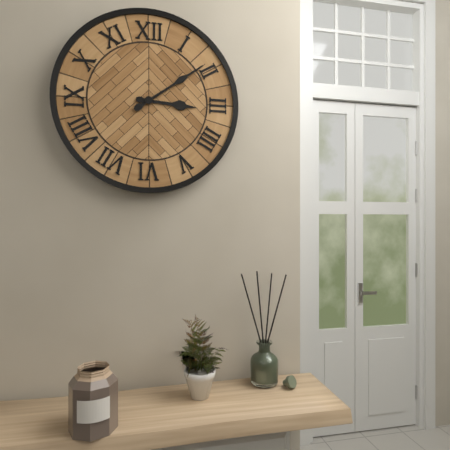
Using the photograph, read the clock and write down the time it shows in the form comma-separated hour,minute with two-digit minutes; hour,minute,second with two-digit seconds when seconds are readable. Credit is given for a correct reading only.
3,09
